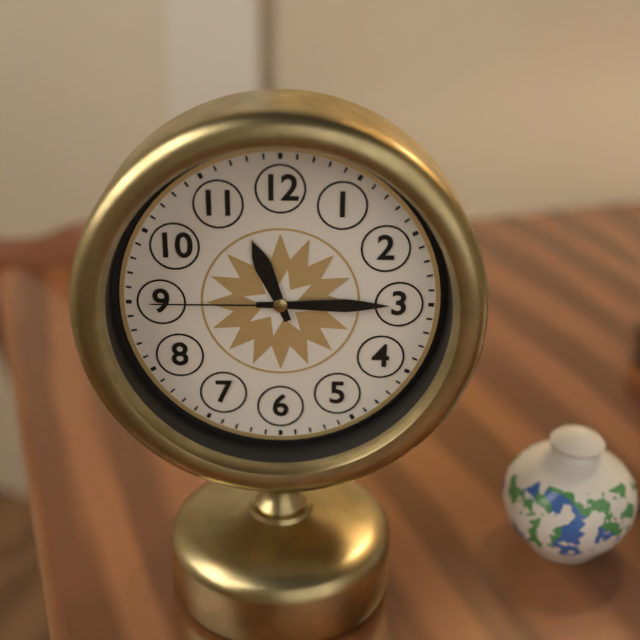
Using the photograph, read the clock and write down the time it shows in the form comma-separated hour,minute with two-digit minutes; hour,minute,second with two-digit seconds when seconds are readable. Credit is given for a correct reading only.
11,15,45
